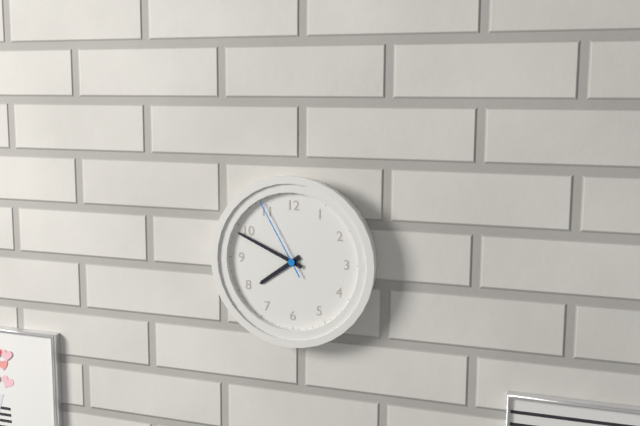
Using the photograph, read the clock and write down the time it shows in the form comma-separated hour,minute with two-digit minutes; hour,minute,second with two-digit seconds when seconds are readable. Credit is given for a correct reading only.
7,49,55
